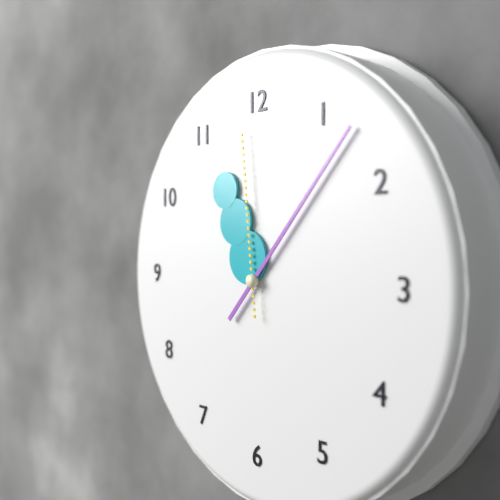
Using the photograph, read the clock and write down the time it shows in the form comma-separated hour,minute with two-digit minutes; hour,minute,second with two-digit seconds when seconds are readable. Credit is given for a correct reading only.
11,07,59
